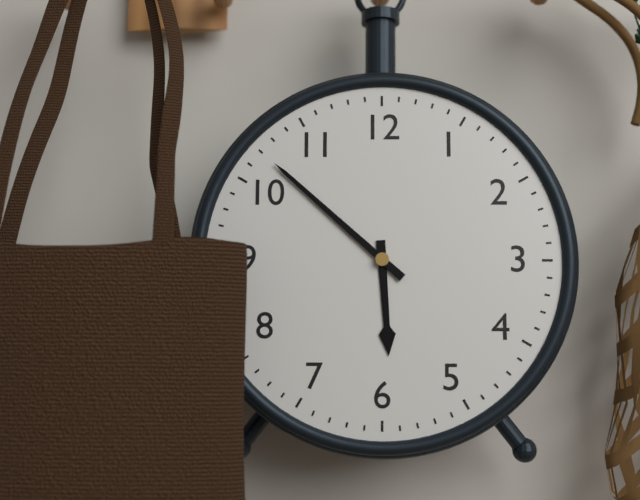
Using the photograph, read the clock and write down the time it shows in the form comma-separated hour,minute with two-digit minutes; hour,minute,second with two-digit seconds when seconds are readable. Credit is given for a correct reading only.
5,52
